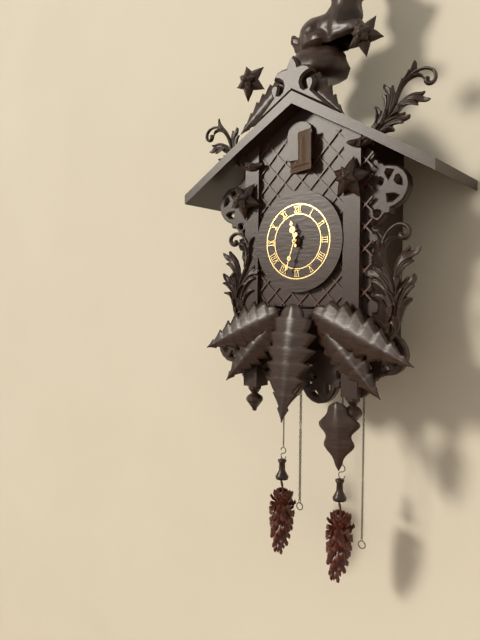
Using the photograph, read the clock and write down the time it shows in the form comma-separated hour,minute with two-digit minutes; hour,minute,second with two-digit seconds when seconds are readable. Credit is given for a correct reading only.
11,33
